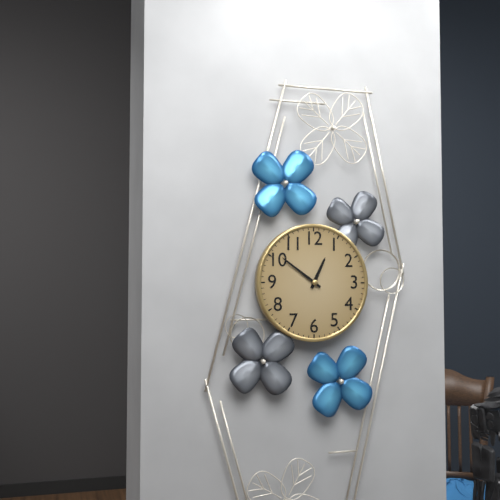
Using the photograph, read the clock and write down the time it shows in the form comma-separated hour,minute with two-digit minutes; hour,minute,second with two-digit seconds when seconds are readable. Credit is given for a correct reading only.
12,51
